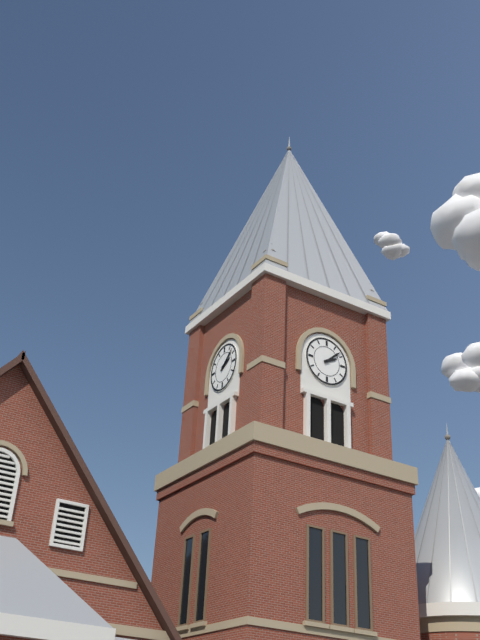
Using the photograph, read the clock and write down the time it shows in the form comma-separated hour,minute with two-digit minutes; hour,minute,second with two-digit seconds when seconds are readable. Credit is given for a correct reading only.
2,08
